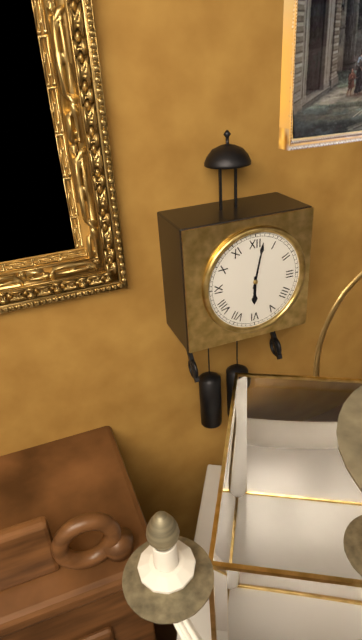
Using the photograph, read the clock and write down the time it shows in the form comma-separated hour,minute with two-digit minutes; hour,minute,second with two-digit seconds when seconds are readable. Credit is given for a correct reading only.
6,02
